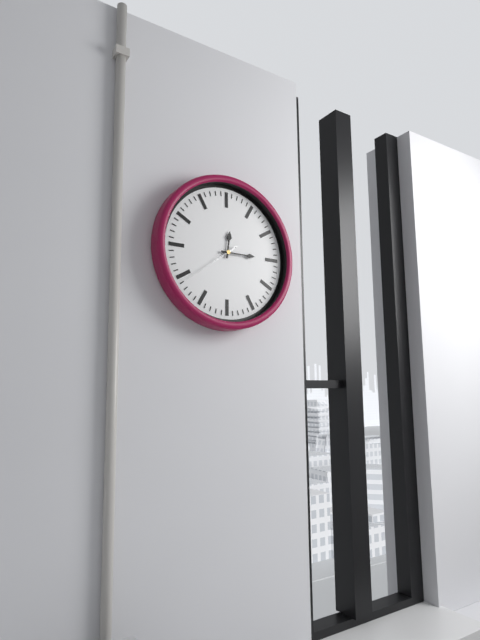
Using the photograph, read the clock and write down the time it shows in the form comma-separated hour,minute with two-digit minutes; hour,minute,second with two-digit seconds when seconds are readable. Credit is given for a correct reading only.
12,15,39
